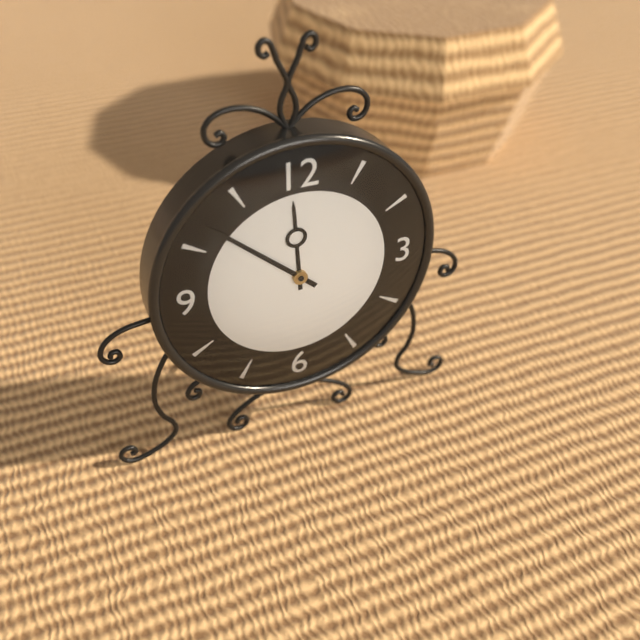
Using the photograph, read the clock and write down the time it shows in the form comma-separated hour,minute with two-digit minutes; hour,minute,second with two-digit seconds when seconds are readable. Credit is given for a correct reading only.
11,52
